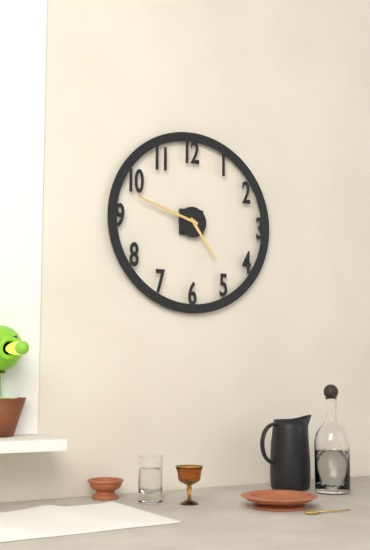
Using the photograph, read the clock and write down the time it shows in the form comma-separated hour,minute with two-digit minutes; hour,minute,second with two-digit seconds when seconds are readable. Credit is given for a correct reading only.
4,48
